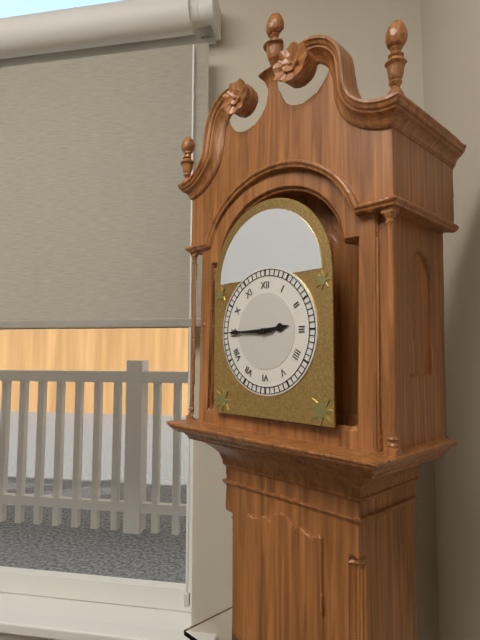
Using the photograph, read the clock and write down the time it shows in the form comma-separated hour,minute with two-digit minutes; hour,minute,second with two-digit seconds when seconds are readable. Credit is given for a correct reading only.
2,45
